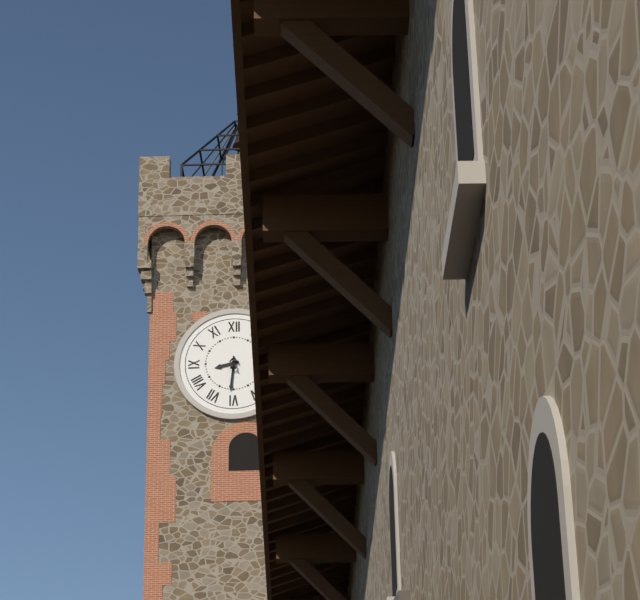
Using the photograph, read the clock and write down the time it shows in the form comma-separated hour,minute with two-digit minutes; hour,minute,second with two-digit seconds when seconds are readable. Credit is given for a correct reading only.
8,31
